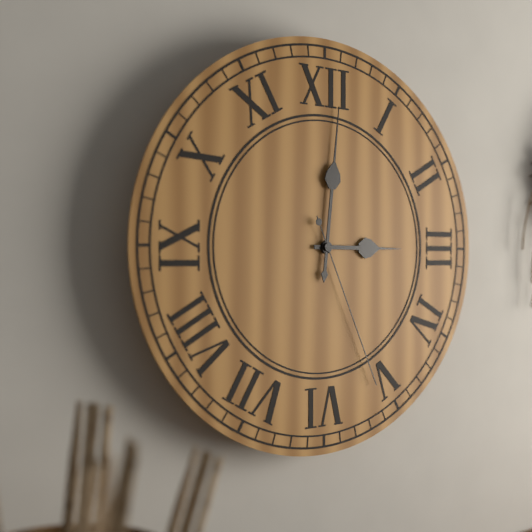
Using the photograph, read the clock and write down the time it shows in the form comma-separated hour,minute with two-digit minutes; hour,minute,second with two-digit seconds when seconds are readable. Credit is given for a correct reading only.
3,01,26
